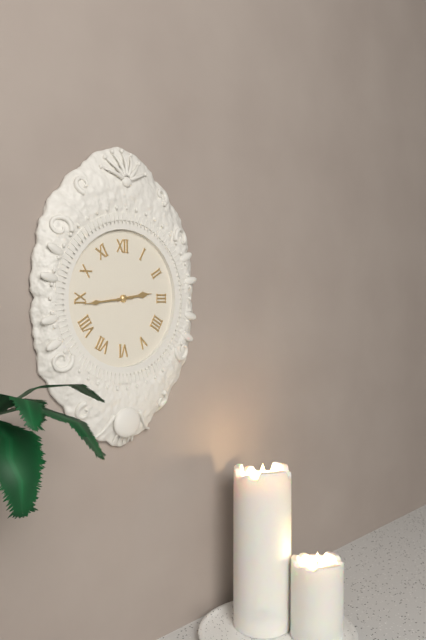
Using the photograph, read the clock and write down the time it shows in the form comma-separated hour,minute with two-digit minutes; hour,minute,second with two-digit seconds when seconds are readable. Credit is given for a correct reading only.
2,44
